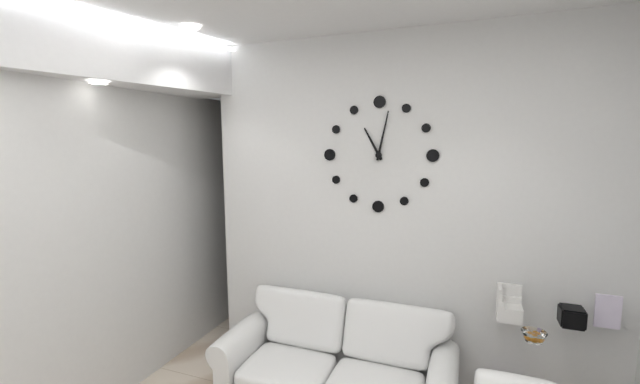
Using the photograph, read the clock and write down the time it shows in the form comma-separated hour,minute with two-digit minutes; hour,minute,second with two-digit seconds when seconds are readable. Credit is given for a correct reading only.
11,02
